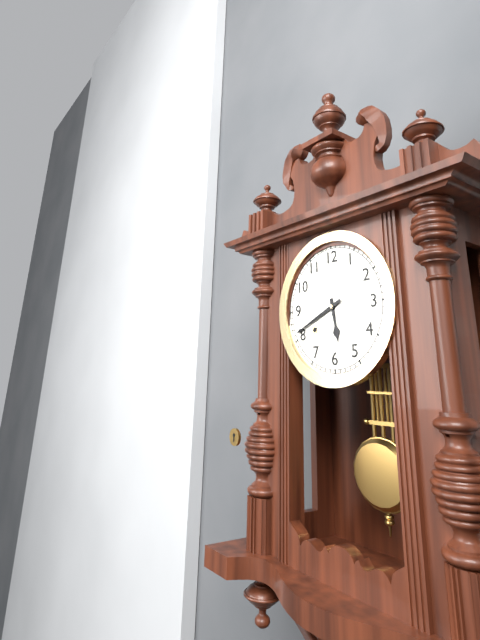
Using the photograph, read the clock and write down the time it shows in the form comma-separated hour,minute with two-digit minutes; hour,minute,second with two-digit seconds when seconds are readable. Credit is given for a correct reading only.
5,41
